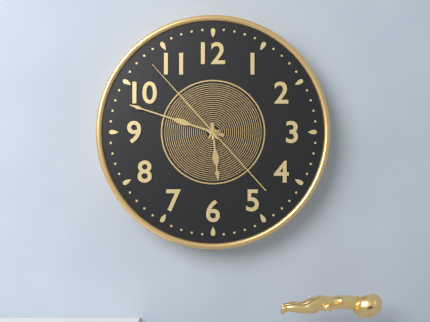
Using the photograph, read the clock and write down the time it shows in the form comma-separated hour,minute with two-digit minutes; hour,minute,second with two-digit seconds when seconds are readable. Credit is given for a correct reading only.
5,48,53
